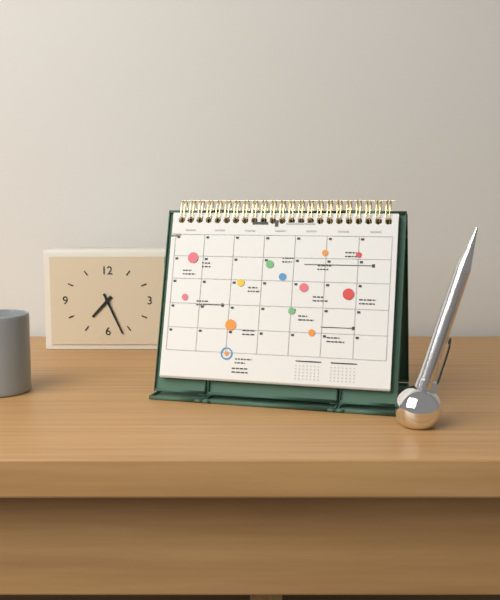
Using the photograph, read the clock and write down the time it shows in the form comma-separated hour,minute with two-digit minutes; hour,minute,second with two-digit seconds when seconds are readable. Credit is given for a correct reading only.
7,26
